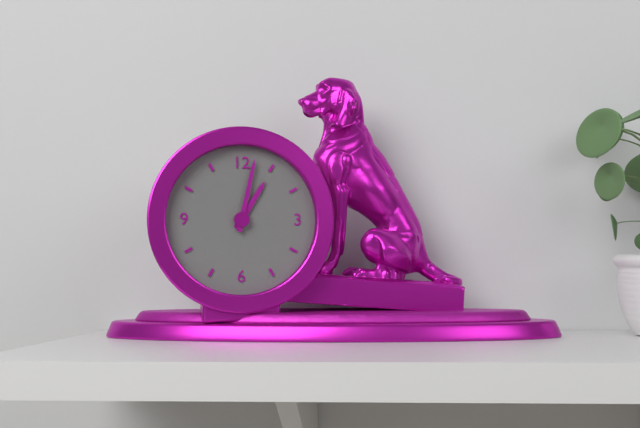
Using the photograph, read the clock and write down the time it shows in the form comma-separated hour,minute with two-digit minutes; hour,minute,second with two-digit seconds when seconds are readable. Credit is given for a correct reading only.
1,02
